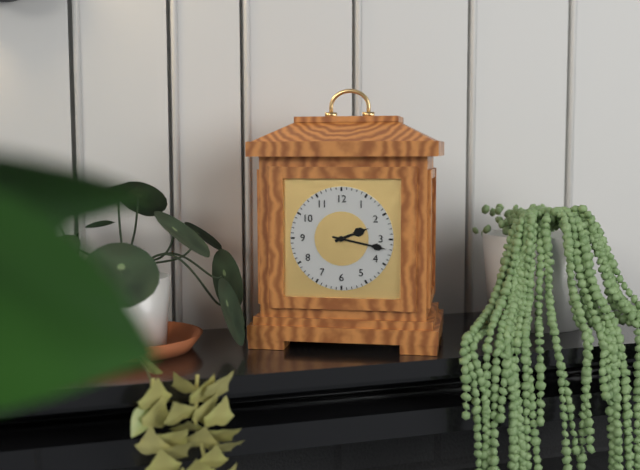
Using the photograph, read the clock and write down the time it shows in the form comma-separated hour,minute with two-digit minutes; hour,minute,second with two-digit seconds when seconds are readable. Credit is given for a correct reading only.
2,17
